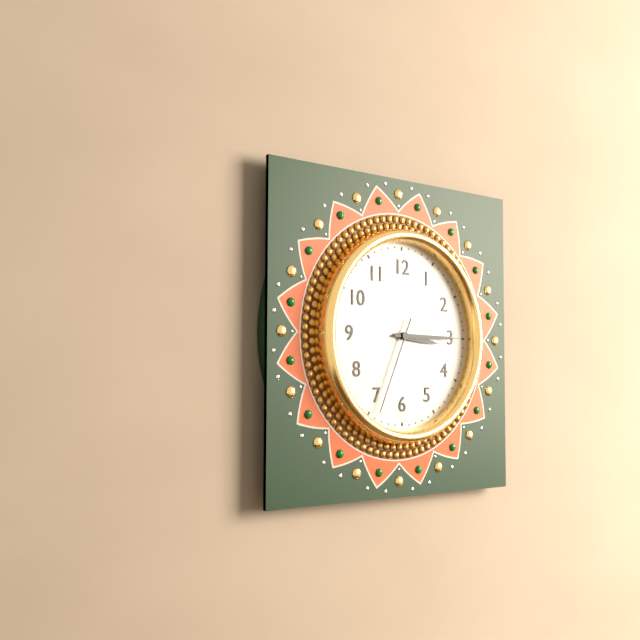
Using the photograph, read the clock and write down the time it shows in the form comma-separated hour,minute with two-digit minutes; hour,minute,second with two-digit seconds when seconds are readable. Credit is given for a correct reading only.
3,15,34
